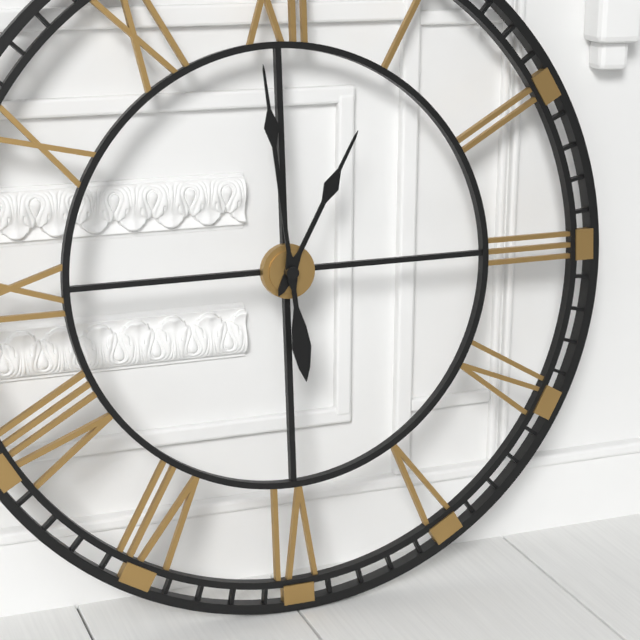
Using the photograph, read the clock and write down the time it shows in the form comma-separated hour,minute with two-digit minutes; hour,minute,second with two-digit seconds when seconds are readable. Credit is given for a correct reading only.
12,59
